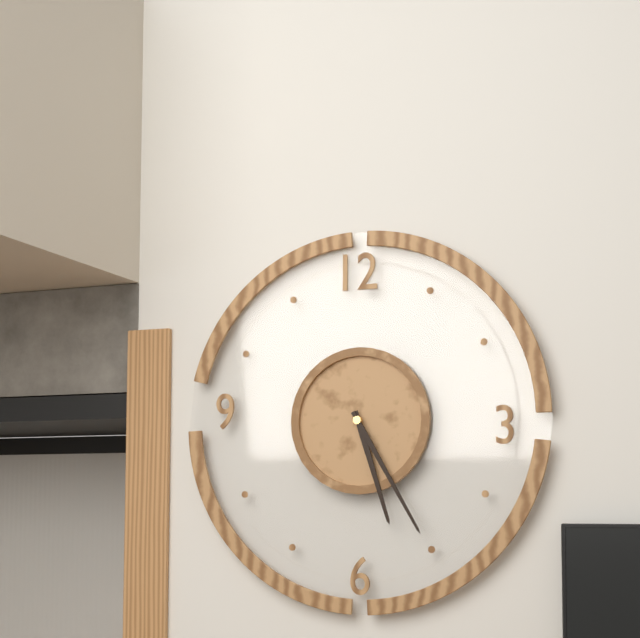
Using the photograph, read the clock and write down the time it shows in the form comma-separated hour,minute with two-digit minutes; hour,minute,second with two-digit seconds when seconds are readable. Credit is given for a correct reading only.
5,25
